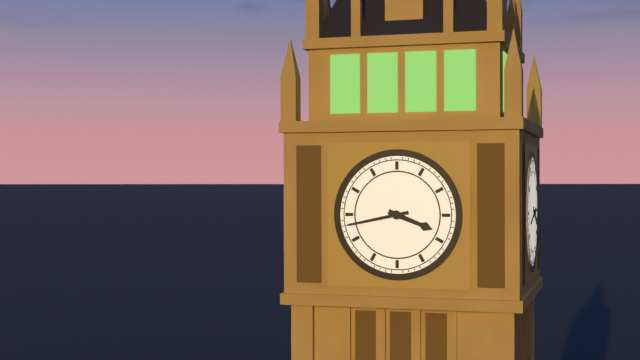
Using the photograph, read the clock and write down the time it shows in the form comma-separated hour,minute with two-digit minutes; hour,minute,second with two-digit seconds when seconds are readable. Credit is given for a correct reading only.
3,43
